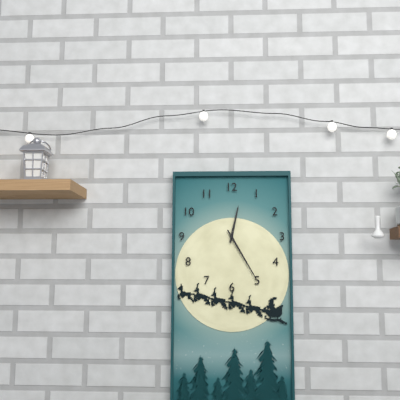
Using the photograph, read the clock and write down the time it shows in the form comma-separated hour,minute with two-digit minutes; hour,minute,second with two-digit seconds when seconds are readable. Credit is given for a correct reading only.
12,25
